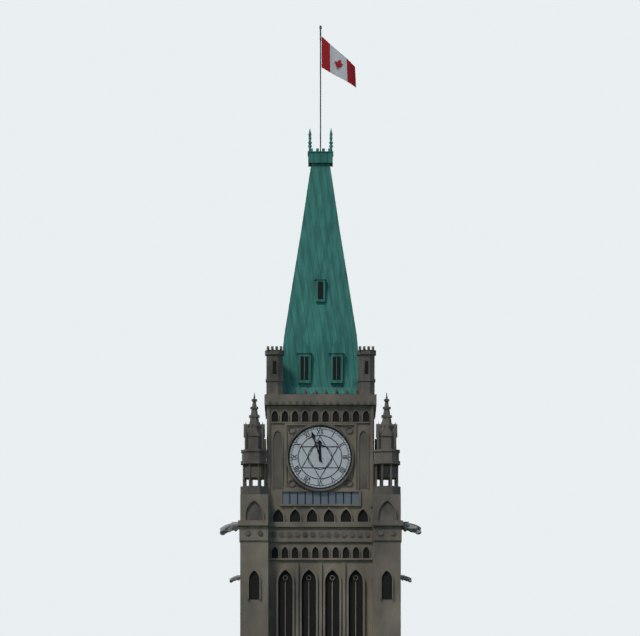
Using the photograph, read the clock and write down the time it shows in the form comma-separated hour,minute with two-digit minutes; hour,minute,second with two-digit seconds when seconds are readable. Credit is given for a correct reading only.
11,57
